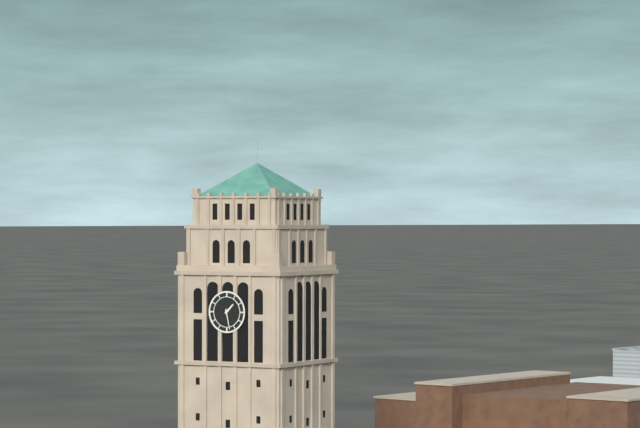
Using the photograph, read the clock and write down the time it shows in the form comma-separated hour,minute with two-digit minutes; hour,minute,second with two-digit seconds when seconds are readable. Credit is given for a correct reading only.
1,28
